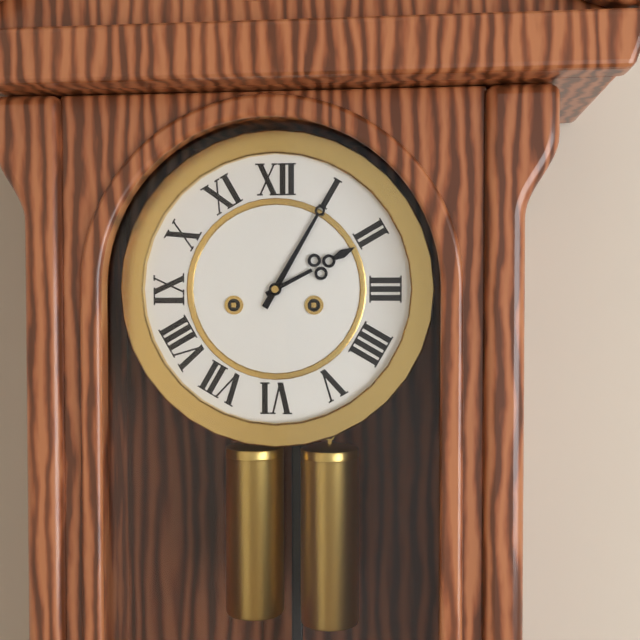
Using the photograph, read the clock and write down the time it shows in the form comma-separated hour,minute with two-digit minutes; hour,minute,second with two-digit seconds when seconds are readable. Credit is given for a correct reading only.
2,05
